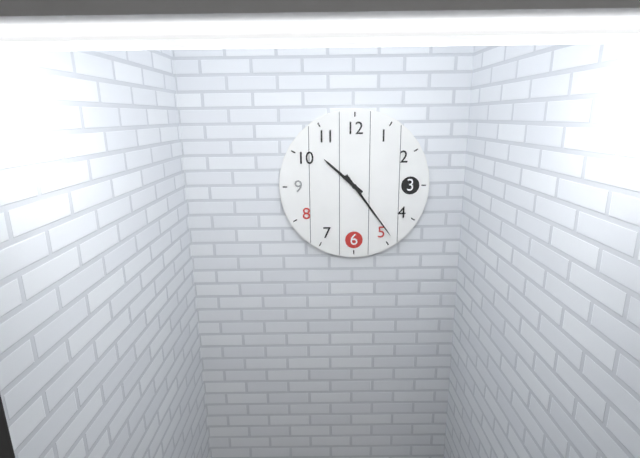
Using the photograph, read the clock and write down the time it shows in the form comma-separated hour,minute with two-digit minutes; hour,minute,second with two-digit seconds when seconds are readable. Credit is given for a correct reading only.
10,24
